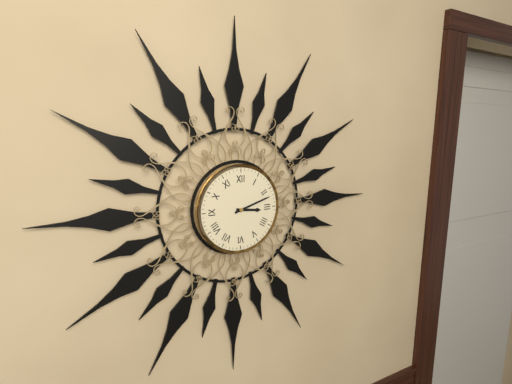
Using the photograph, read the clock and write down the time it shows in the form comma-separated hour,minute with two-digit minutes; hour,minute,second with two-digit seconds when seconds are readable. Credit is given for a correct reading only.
3,12
